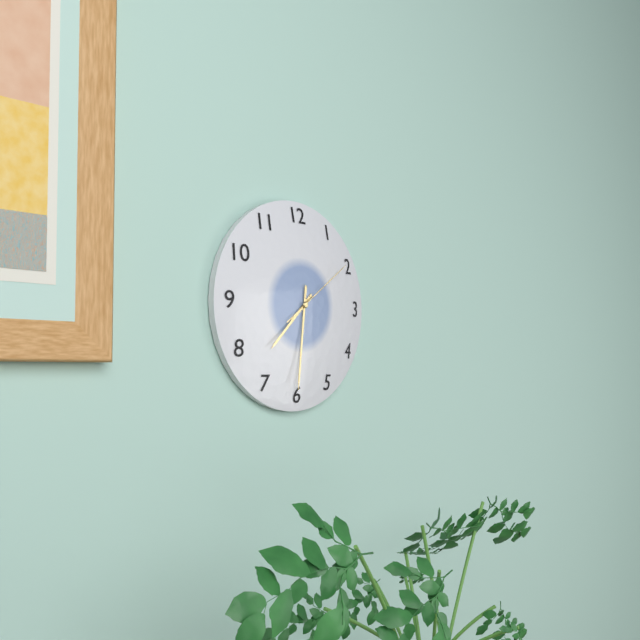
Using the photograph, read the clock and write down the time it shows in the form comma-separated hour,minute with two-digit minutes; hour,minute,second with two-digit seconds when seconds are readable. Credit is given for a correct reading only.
7,31,09
